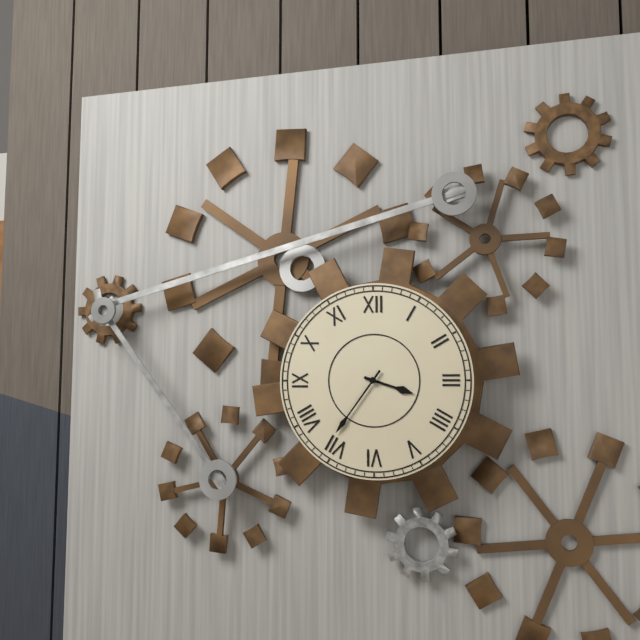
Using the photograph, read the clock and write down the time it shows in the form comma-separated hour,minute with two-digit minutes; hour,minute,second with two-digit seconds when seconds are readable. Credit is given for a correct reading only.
3,36
